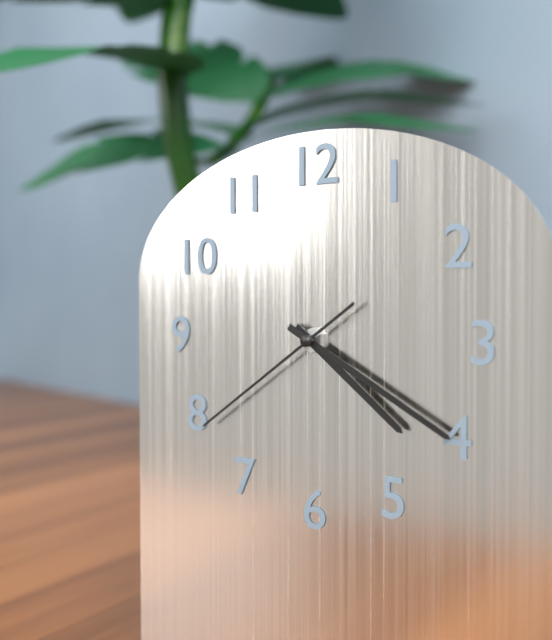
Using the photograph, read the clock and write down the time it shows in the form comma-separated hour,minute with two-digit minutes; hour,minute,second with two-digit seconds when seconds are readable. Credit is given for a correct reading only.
4,20,39
